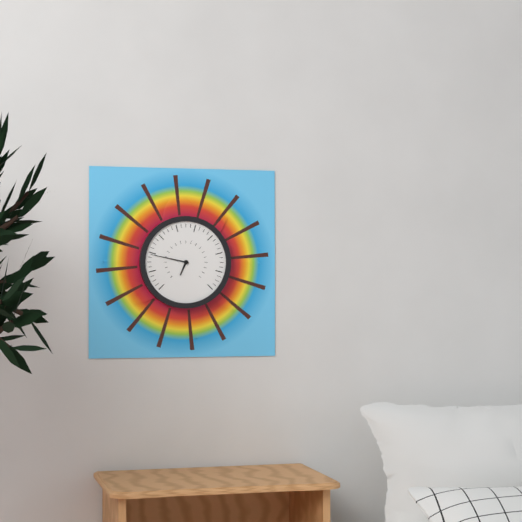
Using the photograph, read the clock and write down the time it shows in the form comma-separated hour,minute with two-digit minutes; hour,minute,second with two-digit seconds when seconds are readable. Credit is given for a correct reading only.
6,47
